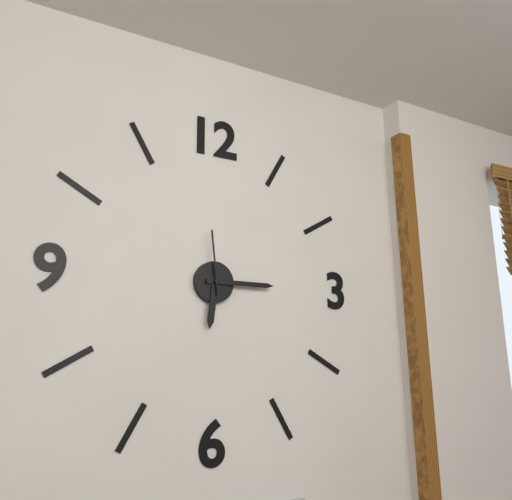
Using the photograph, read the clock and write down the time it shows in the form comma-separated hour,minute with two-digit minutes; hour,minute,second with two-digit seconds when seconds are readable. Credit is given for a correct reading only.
6,15,59
